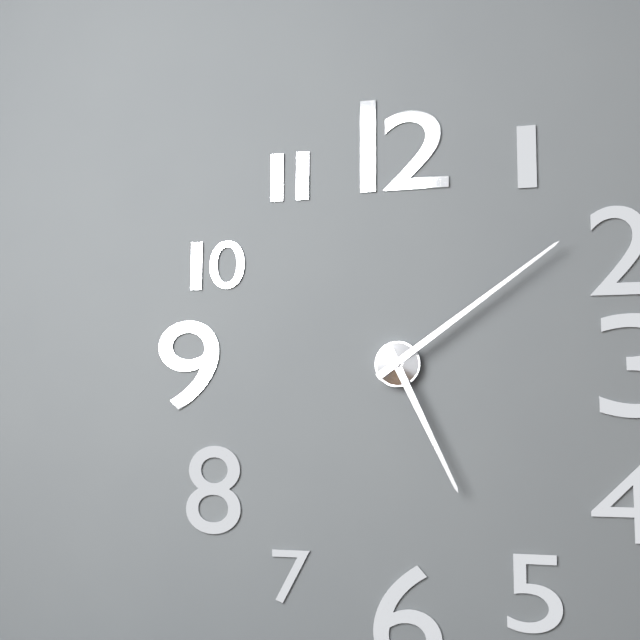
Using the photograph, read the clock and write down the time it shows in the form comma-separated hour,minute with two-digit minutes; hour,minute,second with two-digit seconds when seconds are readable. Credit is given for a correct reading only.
5,09
